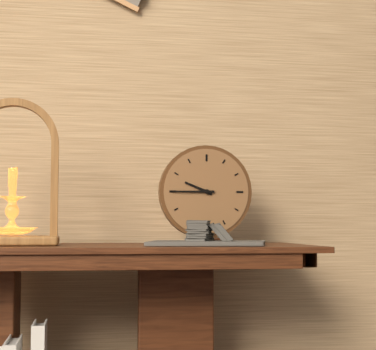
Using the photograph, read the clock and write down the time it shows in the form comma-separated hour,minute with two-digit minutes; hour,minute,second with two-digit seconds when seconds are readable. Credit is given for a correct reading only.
9,45
